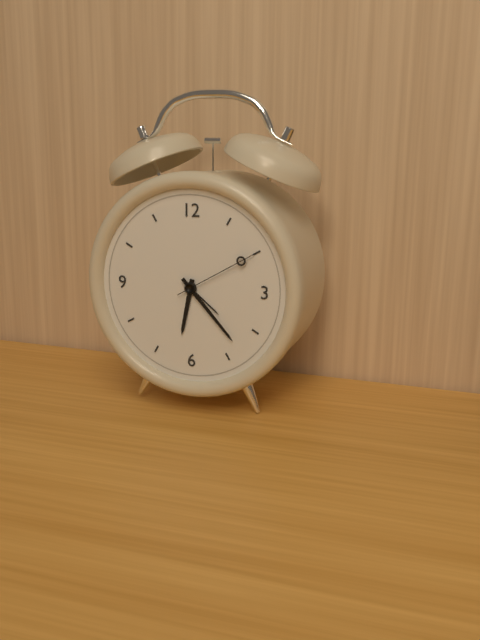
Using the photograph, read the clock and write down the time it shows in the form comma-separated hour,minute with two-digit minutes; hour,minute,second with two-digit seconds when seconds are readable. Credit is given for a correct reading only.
6,23,10
